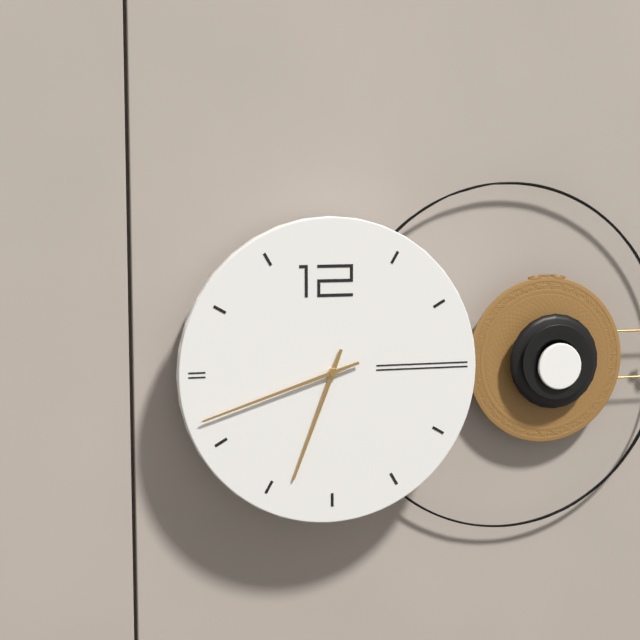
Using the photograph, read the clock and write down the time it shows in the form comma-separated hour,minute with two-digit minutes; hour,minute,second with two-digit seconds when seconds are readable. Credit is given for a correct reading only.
6,42
